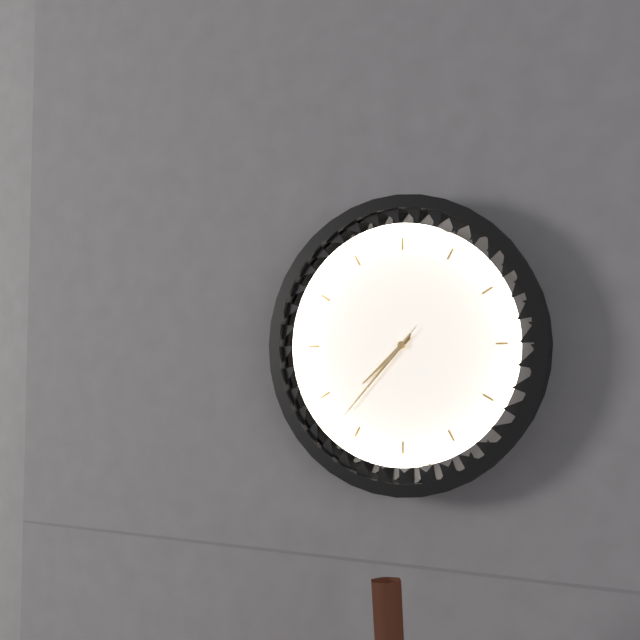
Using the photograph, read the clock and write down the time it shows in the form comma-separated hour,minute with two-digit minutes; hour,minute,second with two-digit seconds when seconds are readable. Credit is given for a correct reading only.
7,37,37
